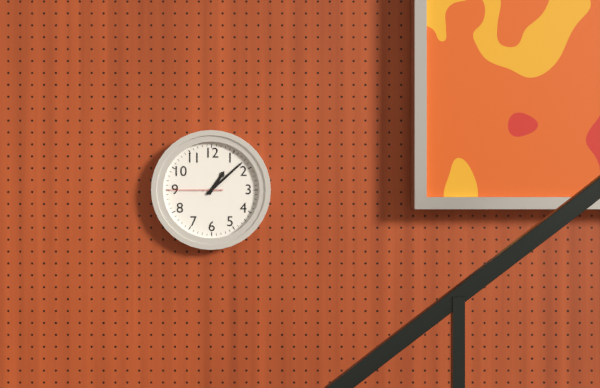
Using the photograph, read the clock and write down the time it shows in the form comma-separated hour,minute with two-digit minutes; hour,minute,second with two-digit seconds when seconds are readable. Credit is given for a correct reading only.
1,08,45
